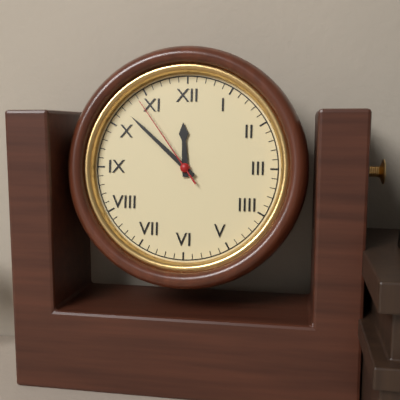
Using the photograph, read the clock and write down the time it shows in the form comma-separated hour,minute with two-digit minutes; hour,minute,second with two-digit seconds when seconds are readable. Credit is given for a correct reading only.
11,52,54
